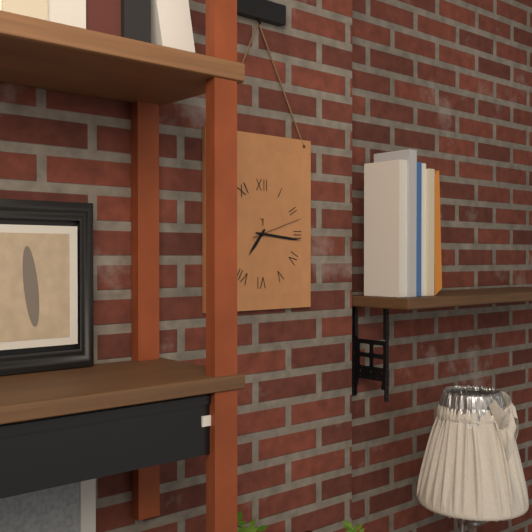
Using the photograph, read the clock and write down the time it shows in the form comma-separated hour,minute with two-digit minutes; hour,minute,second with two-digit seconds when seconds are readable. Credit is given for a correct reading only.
7,16,12
